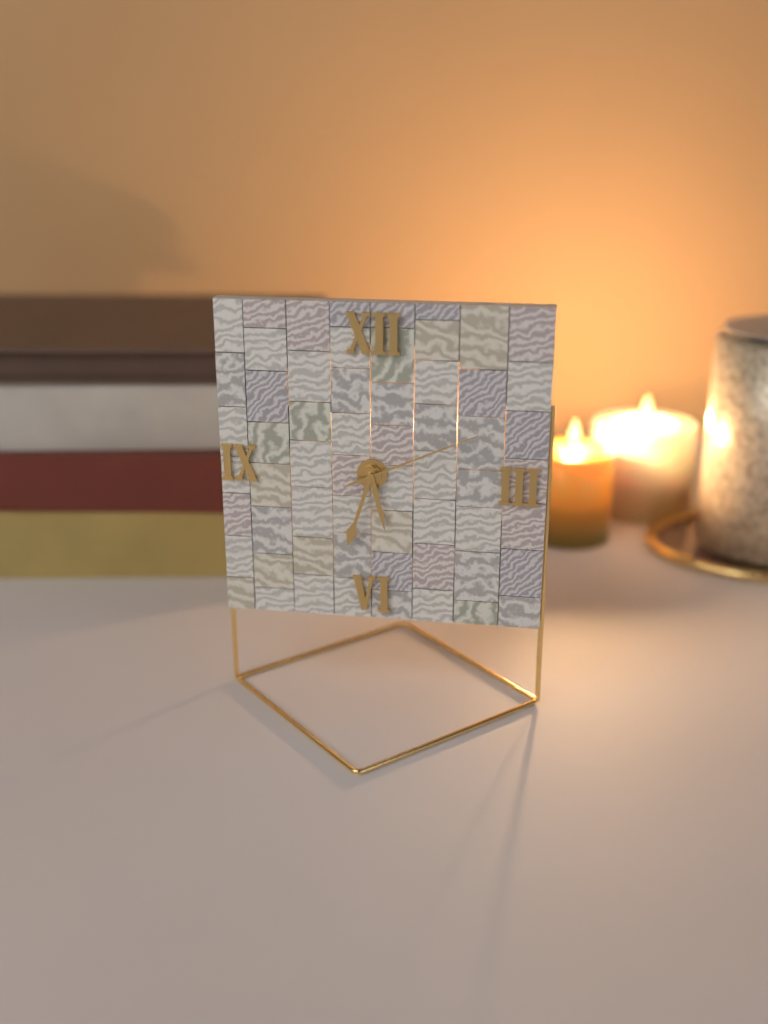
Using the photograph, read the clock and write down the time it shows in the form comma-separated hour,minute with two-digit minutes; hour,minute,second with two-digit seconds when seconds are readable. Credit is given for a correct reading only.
5,33,11
